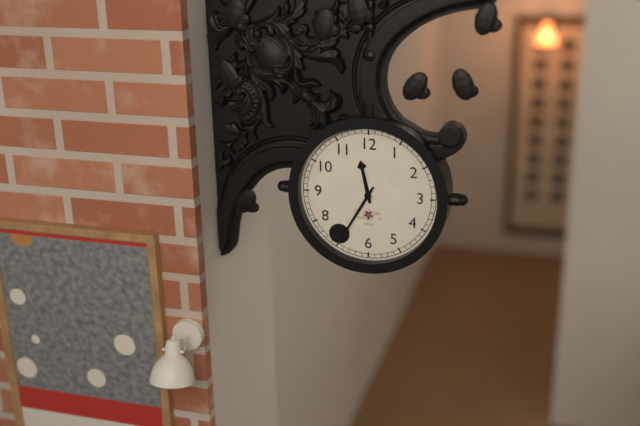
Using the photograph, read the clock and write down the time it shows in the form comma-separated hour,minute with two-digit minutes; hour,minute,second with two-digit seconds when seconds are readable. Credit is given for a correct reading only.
11,35
